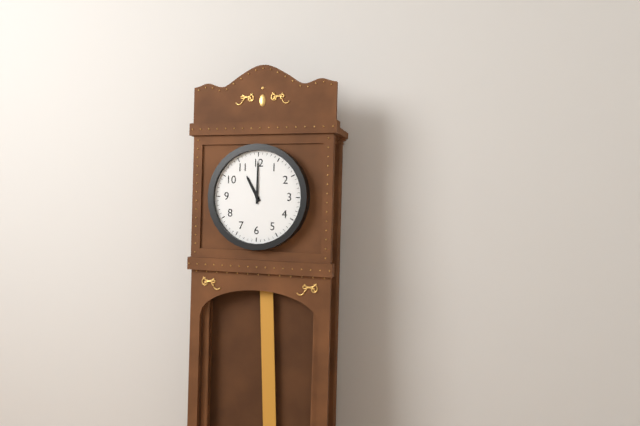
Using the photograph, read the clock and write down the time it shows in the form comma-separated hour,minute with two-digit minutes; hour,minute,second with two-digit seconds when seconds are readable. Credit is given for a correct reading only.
11,00
